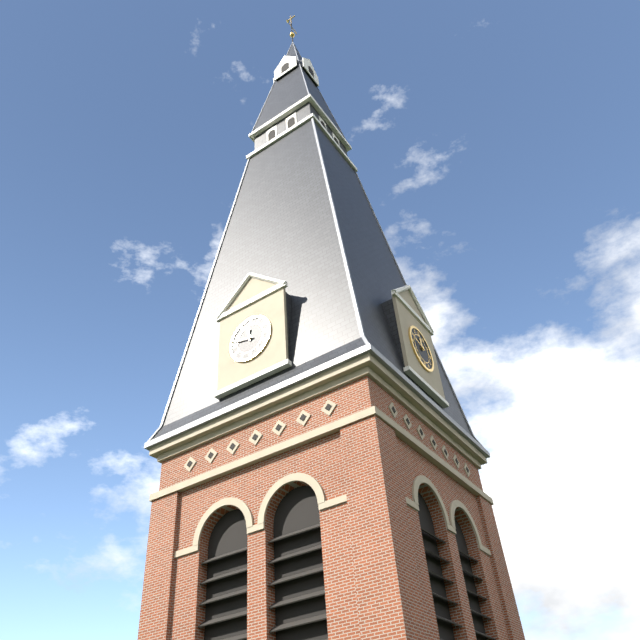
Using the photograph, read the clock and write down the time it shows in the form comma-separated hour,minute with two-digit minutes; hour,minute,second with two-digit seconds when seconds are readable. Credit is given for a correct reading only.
11,47
